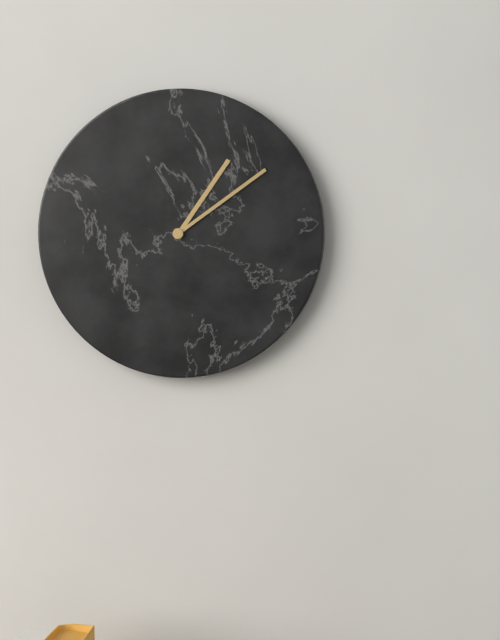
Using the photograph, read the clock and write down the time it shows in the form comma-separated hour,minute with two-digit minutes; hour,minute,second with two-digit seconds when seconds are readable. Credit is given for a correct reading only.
1,09
